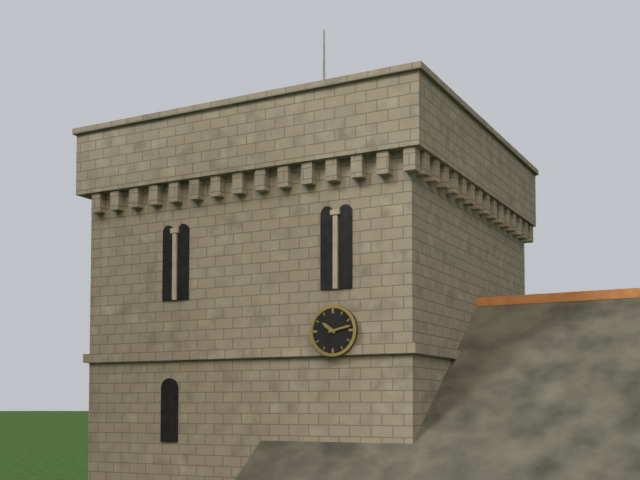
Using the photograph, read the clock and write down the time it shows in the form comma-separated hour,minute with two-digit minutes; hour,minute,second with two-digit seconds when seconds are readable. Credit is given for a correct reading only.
10,13
